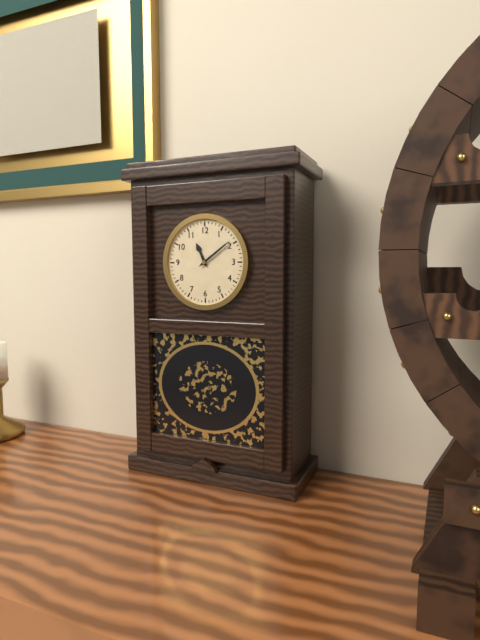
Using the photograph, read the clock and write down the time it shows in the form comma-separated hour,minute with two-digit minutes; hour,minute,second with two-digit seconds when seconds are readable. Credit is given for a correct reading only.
11,09
